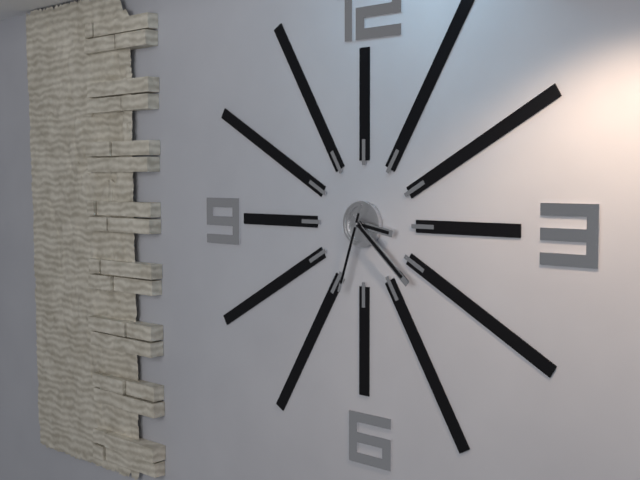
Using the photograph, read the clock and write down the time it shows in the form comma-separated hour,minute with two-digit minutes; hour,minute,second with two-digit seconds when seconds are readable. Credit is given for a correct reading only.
3,22,33
